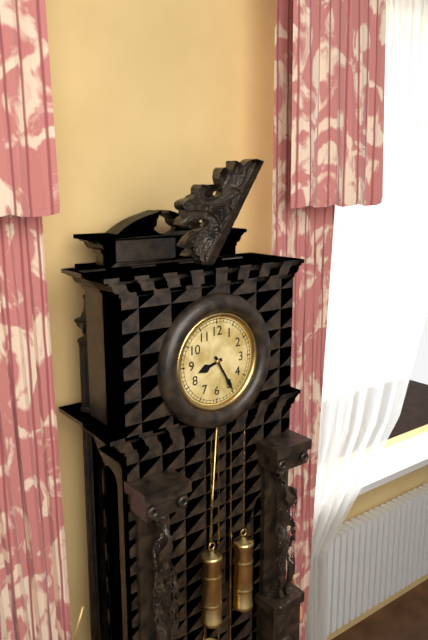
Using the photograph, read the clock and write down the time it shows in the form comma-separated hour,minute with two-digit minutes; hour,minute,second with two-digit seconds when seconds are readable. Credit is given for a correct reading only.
8,25
